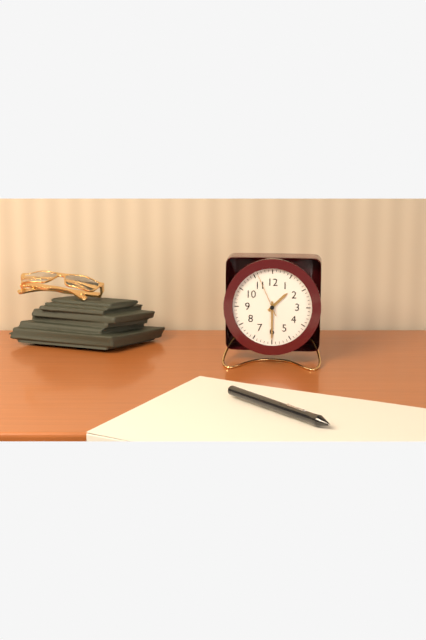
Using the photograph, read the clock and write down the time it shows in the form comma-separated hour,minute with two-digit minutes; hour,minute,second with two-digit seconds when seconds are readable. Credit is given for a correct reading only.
1,30
